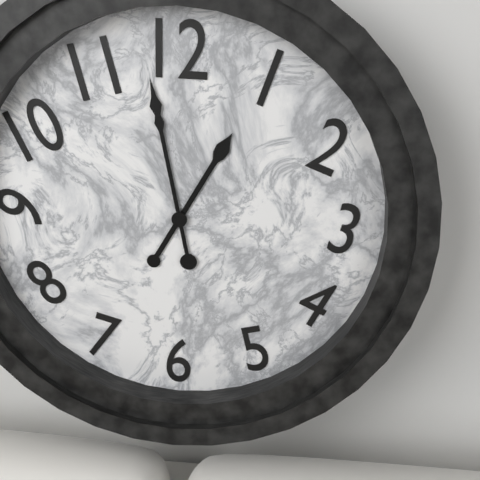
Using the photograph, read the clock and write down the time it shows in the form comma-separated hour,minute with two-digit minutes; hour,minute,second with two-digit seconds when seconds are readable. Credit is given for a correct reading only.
12,58
